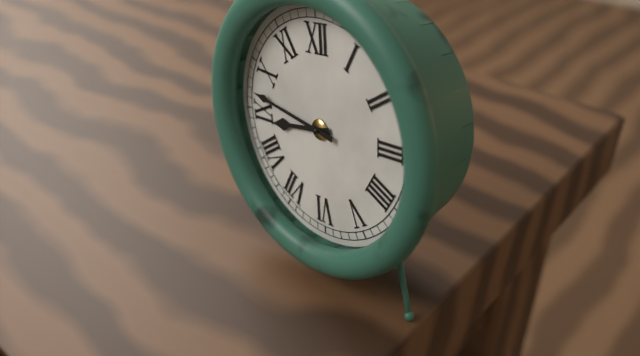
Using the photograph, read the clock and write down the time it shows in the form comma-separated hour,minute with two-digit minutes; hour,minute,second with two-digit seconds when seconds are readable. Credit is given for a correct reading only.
8,47
